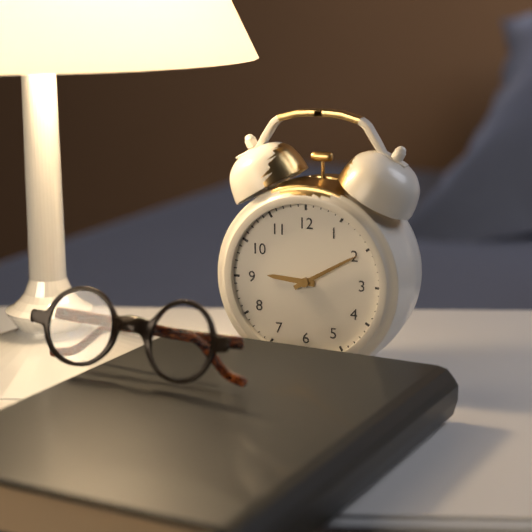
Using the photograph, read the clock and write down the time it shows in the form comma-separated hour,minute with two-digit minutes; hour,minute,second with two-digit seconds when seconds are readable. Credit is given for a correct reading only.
9,10
